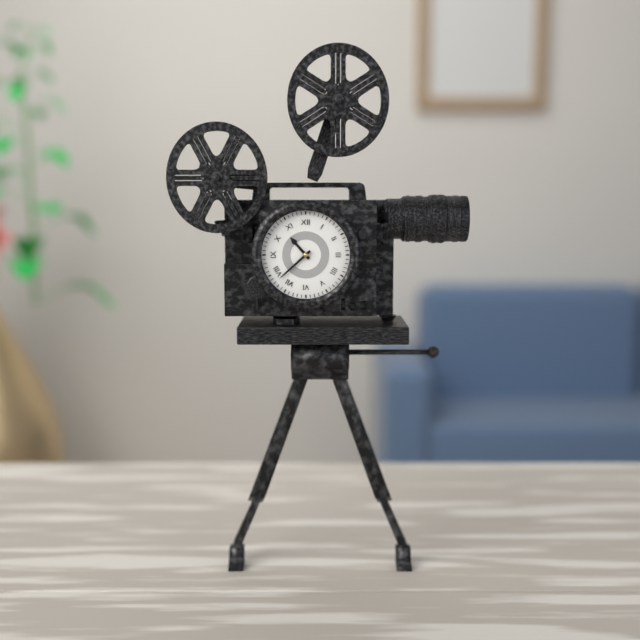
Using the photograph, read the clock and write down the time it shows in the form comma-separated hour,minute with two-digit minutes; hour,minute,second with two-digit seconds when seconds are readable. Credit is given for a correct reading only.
10,38
